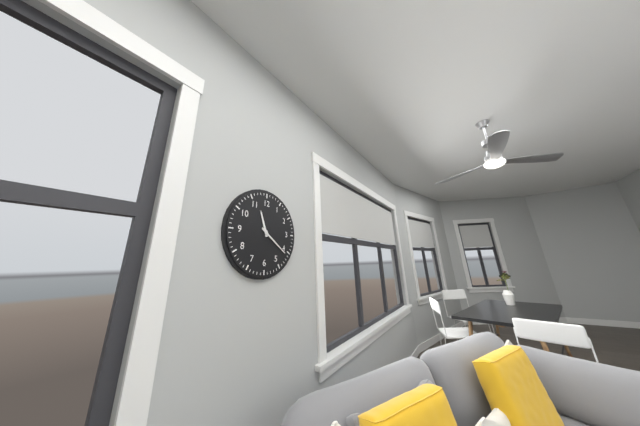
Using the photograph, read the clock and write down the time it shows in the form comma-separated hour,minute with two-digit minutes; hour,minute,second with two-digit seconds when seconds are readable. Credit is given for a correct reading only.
11,21
